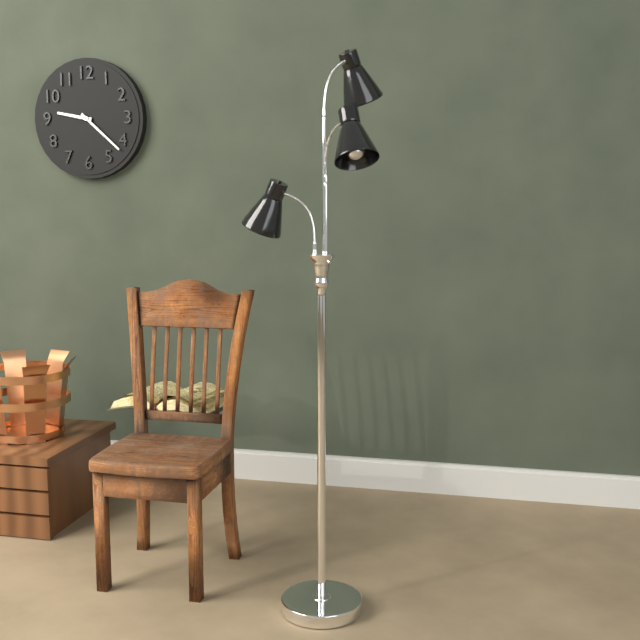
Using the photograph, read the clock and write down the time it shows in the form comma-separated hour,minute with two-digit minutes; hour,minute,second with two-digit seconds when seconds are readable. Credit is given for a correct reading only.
9,22
